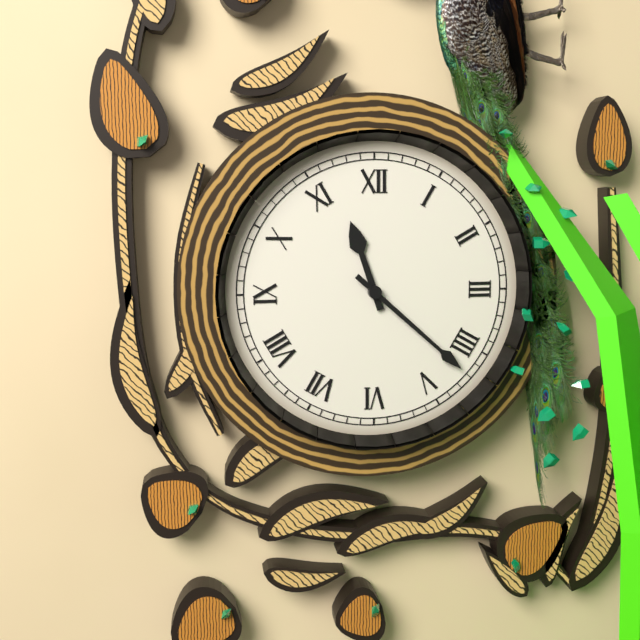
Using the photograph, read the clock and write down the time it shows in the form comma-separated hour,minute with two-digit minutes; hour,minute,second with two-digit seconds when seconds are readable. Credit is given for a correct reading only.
11,22
